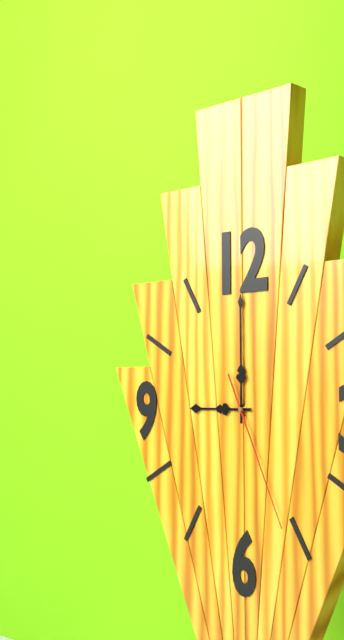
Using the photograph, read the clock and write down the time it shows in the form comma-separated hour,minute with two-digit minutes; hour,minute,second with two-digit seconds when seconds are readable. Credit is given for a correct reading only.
9,00,26
